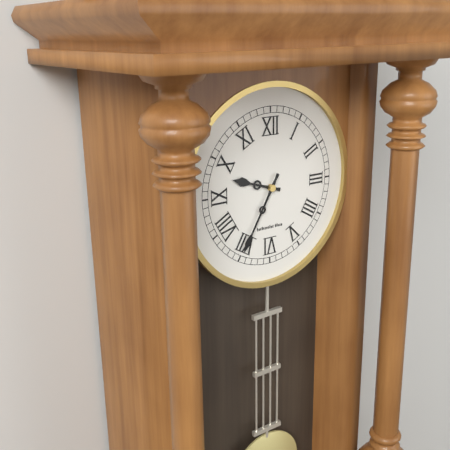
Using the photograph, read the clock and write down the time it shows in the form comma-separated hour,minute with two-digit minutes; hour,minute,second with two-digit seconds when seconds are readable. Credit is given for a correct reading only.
9,35
